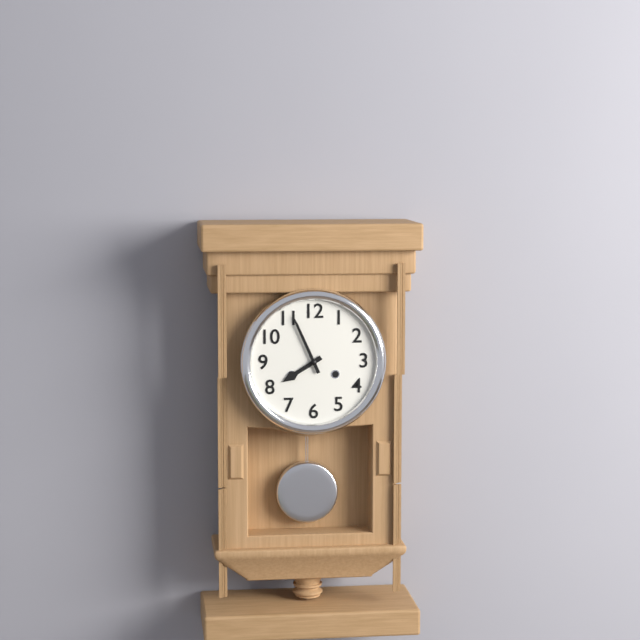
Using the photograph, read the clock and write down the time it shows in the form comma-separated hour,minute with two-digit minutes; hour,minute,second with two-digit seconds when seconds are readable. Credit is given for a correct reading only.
7,56
